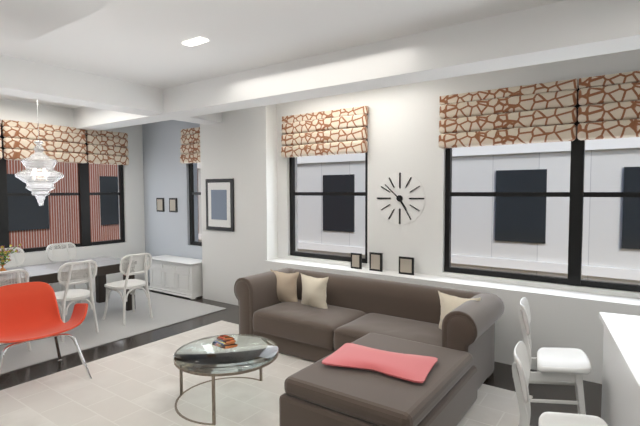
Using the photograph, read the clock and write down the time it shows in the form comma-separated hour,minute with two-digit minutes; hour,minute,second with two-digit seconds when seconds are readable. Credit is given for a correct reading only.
4,52
